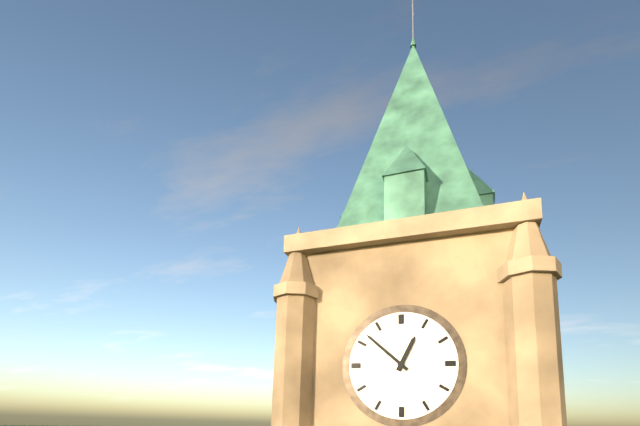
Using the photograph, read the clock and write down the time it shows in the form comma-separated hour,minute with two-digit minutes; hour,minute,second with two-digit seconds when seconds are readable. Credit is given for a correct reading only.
12,52
